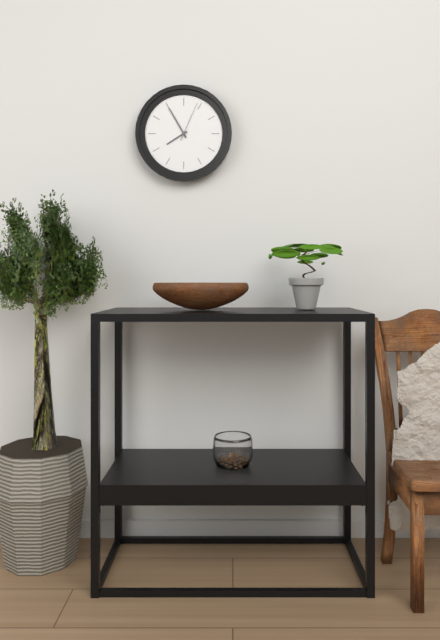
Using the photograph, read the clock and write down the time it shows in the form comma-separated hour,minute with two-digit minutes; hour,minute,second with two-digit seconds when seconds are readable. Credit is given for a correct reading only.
7,55
